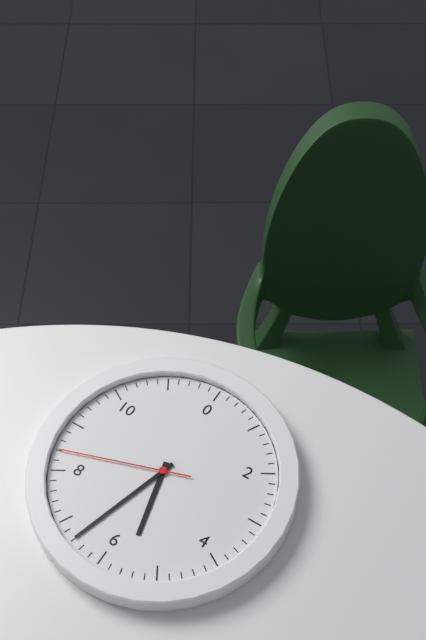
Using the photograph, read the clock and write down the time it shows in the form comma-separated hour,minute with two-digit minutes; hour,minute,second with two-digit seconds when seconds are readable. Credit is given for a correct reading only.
5,33,42
